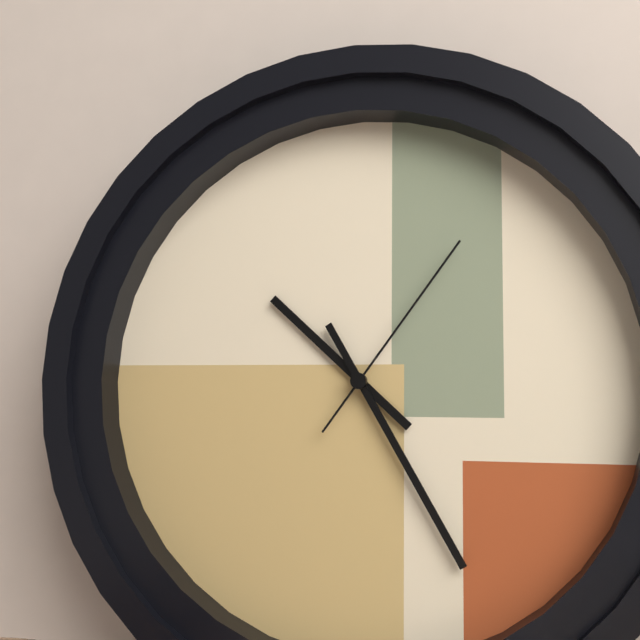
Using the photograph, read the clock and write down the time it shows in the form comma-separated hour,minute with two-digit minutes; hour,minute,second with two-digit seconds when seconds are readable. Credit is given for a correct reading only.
10,25,06
